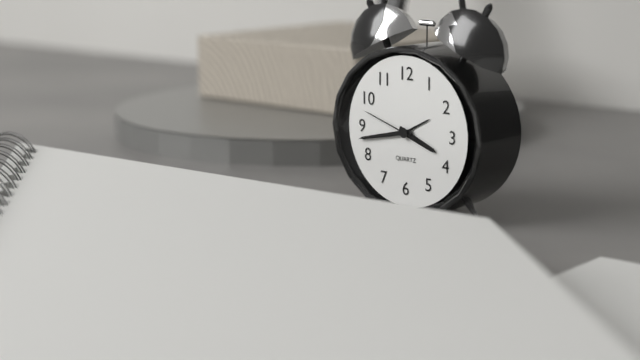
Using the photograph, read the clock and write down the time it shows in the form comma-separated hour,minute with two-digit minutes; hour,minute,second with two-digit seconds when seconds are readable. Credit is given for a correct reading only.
3,43,48
